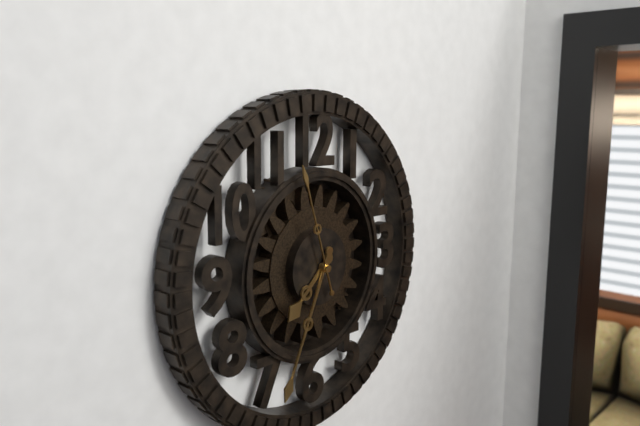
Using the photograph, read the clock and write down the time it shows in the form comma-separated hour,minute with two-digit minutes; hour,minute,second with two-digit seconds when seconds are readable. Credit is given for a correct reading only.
7,34,57
